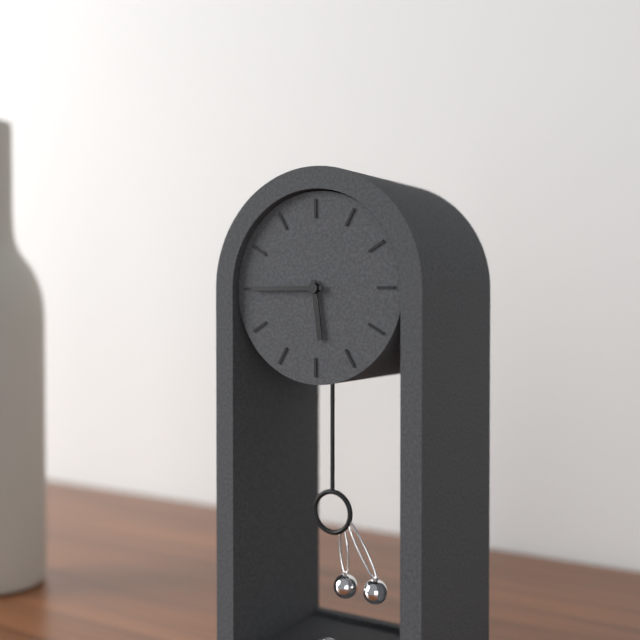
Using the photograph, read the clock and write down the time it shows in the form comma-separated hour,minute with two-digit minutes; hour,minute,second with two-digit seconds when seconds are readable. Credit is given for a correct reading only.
5,45
